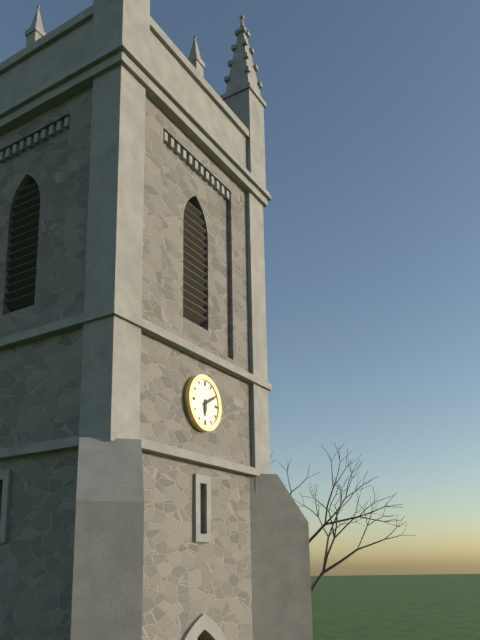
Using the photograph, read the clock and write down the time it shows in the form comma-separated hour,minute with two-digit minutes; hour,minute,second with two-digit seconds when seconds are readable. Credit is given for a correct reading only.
6,10
